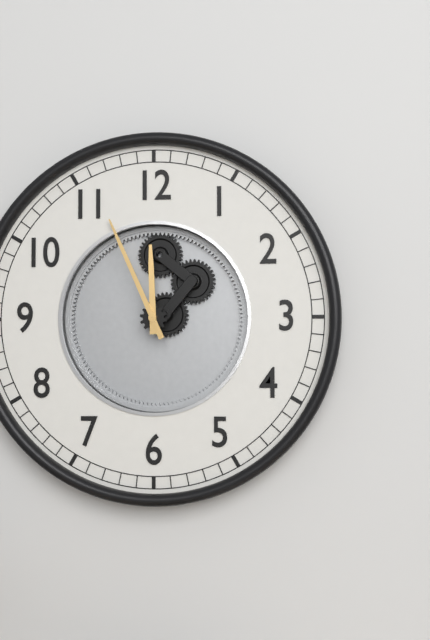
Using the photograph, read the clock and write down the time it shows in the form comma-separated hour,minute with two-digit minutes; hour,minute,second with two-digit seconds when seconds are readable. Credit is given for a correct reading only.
11,56
